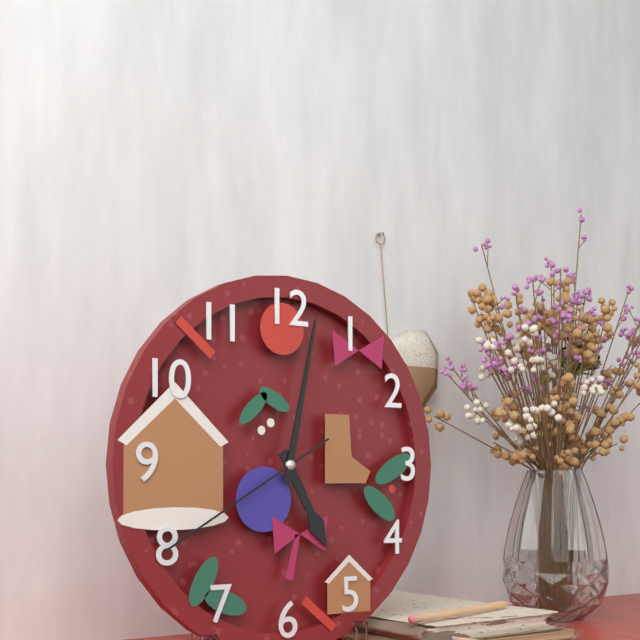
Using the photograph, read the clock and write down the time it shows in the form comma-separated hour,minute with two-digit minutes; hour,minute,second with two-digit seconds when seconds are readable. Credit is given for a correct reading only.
5,02,40
